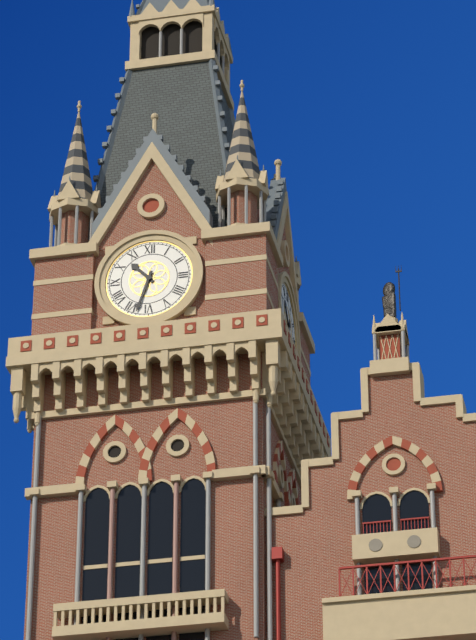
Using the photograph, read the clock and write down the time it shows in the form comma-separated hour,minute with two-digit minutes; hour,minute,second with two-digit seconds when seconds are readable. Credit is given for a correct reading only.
10,33
